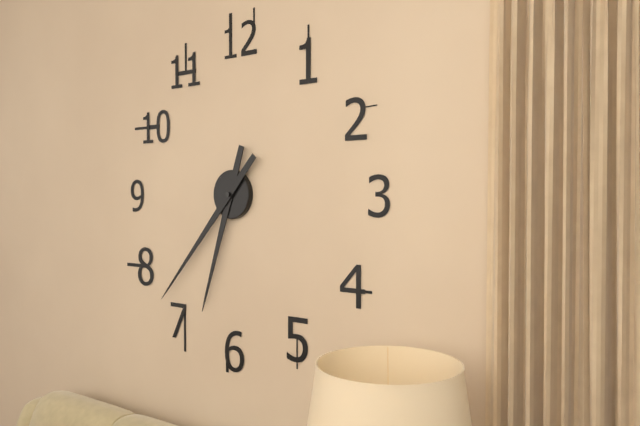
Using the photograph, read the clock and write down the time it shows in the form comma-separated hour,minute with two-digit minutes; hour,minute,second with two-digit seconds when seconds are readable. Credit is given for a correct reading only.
6,37
